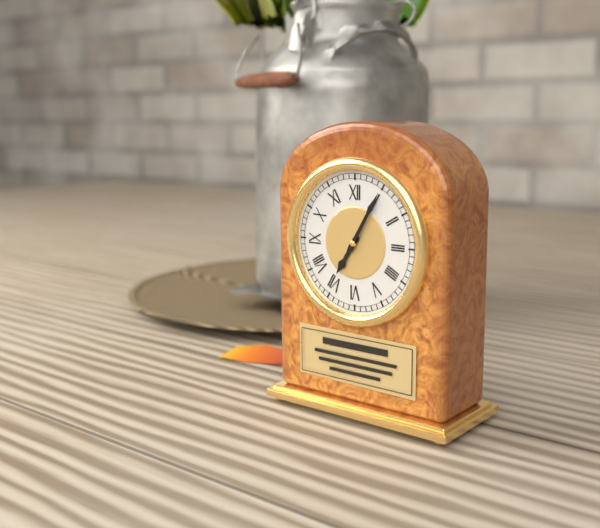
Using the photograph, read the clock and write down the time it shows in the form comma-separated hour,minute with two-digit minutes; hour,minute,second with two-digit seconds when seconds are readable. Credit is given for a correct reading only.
7,05
